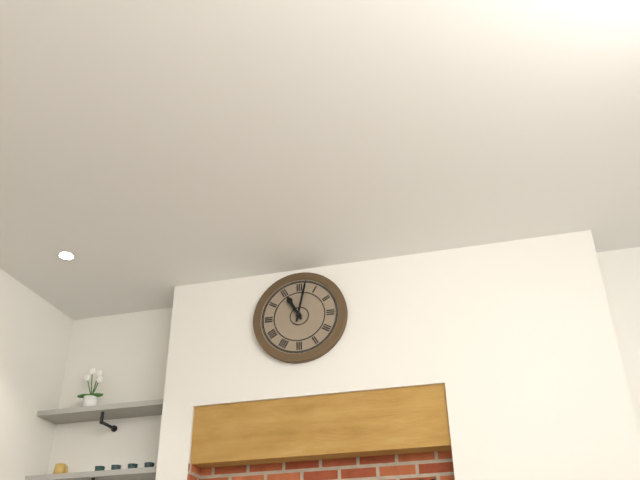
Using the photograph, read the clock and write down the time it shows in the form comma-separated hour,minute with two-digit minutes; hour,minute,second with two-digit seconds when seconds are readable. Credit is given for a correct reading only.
11,02
